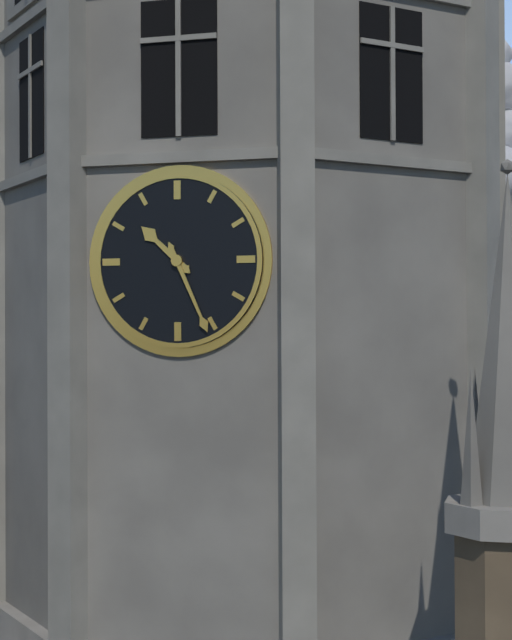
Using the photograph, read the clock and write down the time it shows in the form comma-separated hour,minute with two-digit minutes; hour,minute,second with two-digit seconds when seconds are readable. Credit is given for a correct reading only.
10,26
